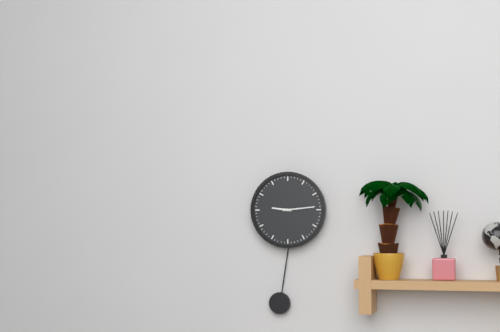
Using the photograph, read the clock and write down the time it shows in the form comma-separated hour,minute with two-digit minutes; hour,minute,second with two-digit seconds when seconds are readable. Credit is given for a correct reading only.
9,14
